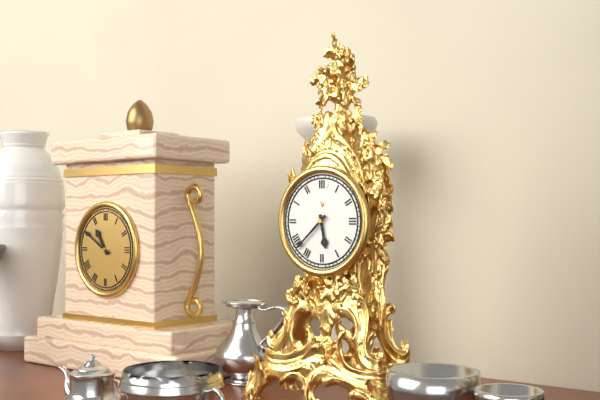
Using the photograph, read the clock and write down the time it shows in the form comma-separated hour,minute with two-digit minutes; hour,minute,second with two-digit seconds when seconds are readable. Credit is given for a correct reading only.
5,38
